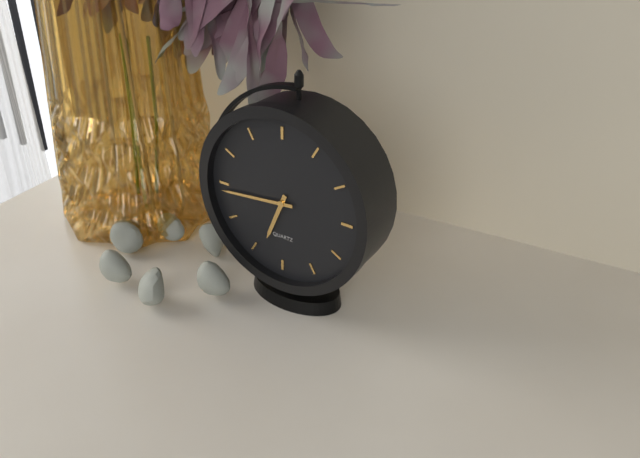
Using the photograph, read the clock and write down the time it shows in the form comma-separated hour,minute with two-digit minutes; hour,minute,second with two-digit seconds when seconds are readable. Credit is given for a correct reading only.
6,44
